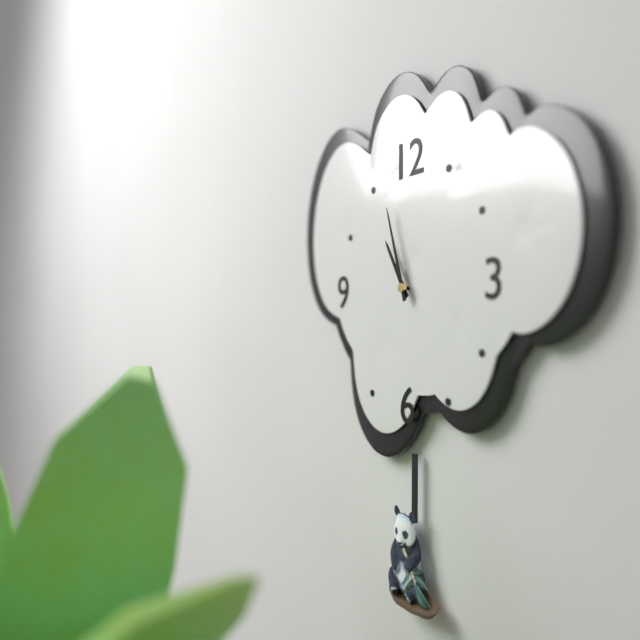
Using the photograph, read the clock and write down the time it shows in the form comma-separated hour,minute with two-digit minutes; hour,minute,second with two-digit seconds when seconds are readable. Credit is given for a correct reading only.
10,57
